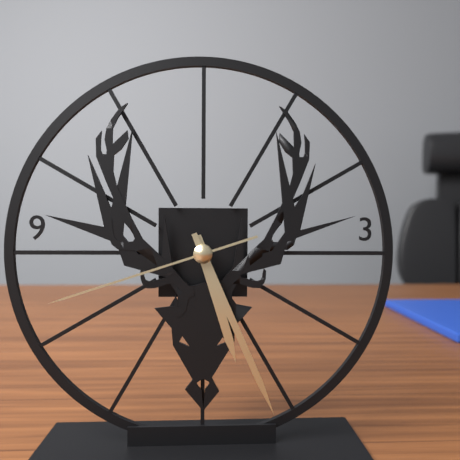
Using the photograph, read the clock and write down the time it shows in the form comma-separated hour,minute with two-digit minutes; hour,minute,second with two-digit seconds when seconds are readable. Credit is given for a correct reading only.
5,26,42
